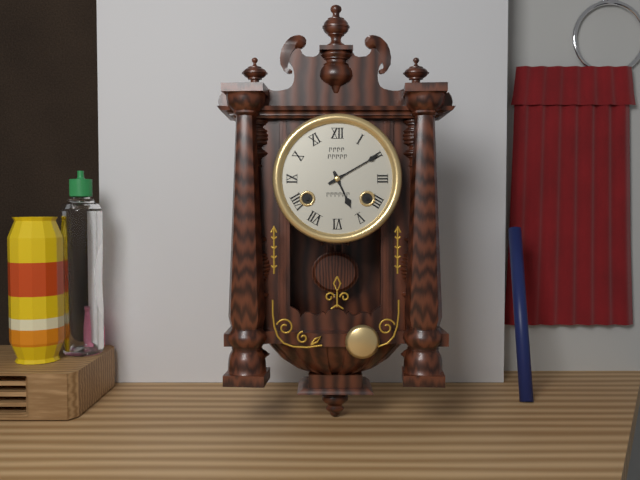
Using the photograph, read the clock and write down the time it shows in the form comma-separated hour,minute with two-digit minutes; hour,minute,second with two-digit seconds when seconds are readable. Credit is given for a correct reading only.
5,10
